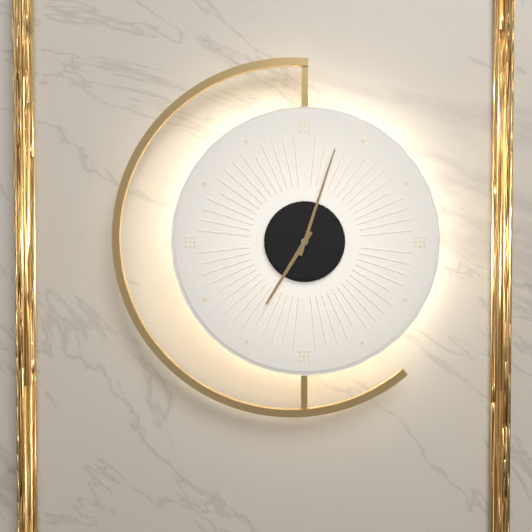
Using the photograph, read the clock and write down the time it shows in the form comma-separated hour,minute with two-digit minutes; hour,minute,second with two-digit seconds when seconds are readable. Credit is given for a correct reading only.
7,03
